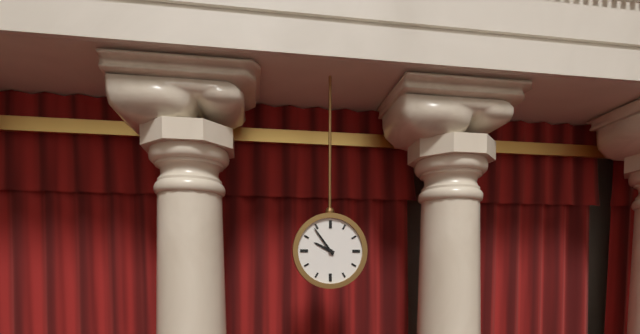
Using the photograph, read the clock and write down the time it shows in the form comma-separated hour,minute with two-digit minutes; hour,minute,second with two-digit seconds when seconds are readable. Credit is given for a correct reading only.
9,54
